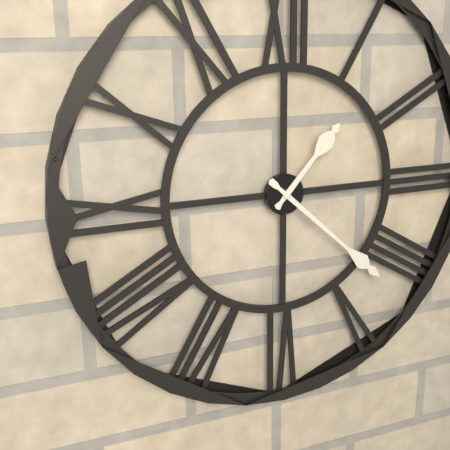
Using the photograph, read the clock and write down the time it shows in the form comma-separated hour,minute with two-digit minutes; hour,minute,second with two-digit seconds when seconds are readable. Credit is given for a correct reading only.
1,22
